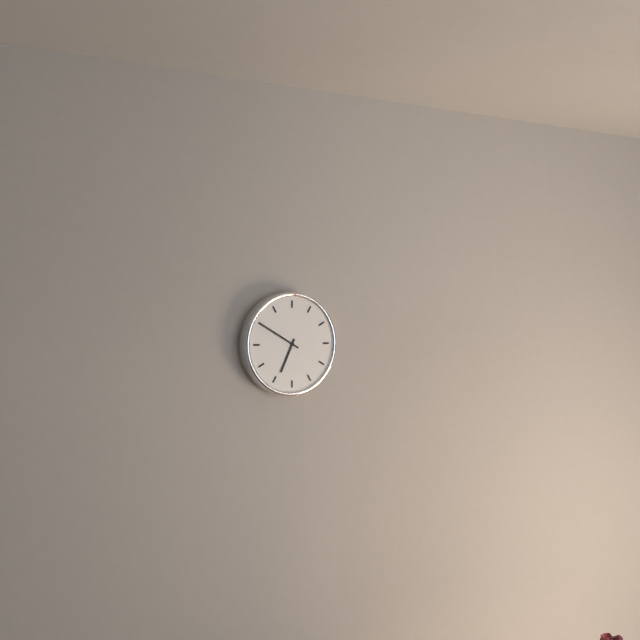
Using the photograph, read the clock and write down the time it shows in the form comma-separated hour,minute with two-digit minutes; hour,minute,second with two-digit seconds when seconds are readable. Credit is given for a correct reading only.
6,50
